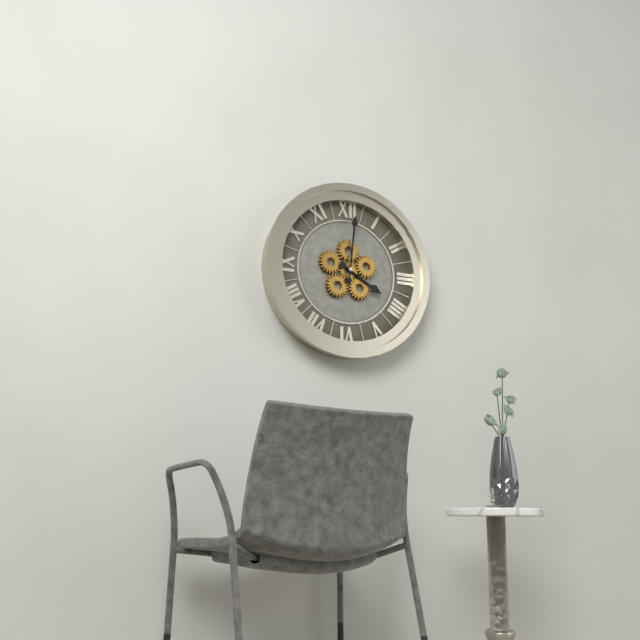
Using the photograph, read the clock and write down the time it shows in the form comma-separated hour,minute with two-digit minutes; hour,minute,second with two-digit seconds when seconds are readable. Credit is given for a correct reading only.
4,01
